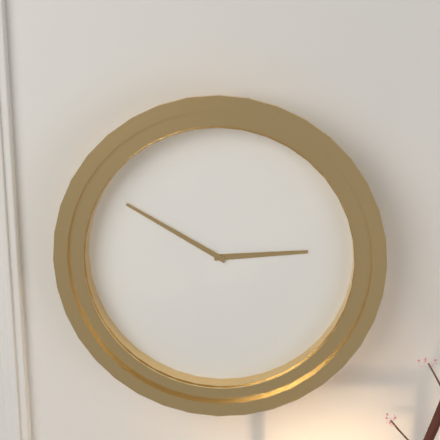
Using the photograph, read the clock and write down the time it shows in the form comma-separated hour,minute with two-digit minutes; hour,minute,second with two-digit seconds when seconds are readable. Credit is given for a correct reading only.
2,50
